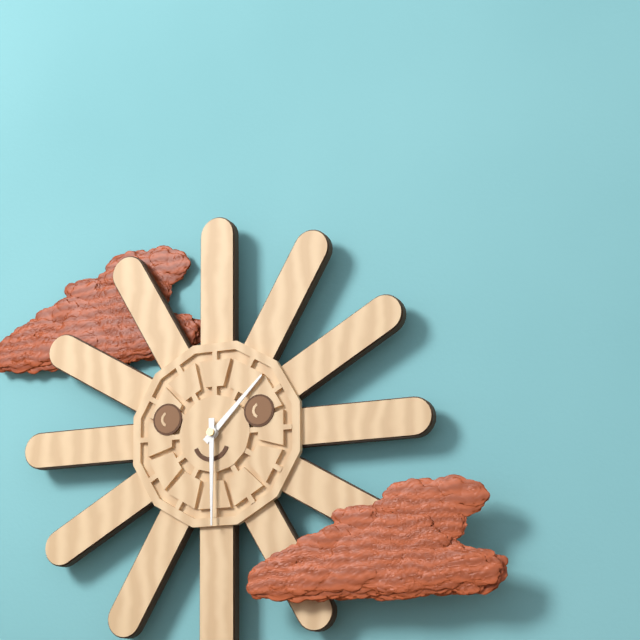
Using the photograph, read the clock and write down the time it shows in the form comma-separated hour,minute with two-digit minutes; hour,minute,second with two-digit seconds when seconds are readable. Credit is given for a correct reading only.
1,30
